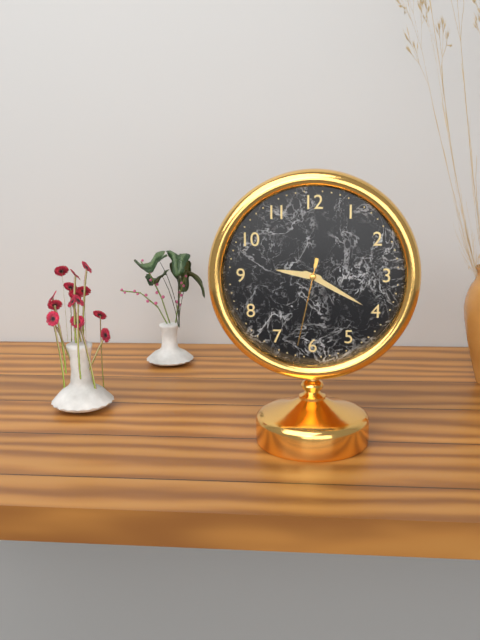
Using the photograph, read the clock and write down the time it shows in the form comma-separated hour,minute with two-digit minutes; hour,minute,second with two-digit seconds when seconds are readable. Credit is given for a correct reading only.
9,20,32
